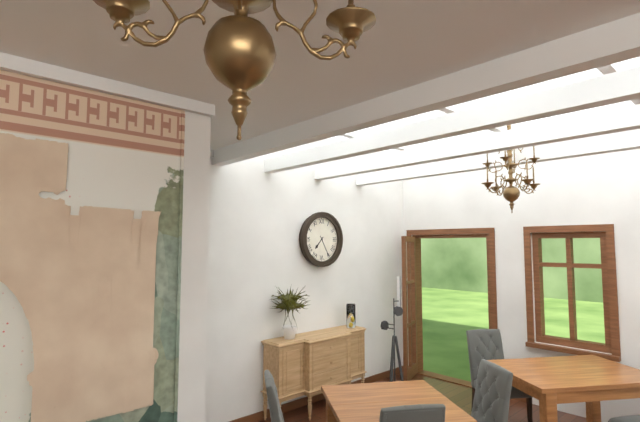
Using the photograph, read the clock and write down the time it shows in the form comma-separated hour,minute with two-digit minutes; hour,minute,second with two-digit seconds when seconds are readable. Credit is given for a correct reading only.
7,25
